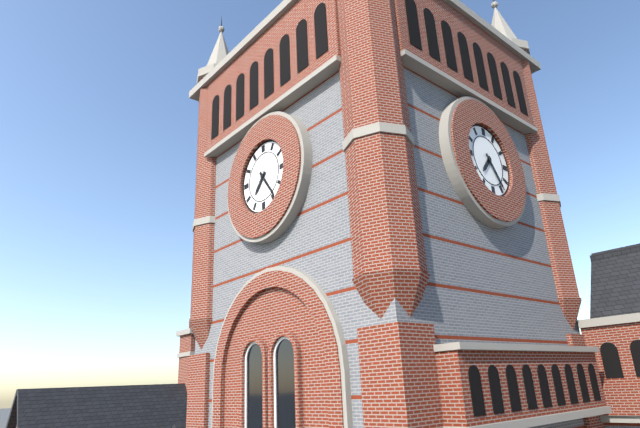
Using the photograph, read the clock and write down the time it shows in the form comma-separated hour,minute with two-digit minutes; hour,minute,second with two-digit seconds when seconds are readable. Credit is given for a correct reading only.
7,24
